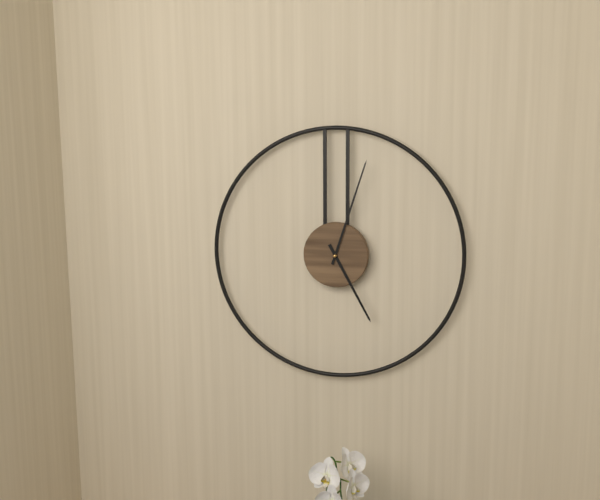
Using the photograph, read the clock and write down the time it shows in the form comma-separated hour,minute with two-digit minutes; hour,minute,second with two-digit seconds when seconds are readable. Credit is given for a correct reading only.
5,03
